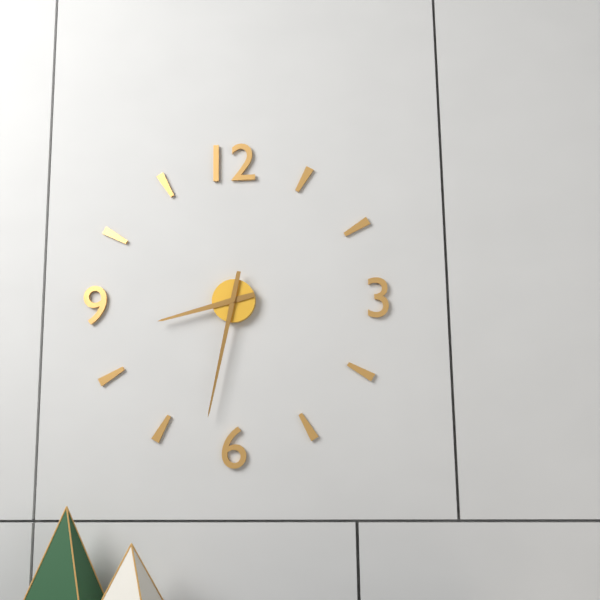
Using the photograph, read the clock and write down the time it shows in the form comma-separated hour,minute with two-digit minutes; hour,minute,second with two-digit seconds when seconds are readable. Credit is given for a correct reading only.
8,32
